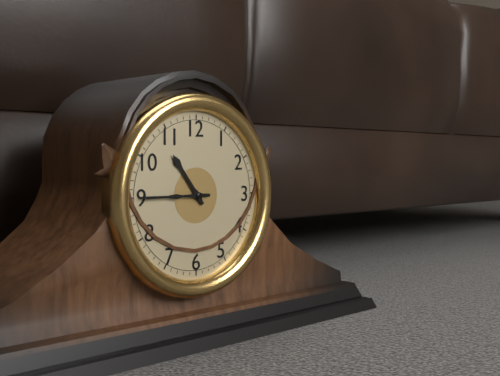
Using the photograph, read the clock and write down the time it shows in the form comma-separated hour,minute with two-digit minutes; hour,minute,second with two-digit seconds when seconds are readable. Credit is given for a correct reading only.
10,45
